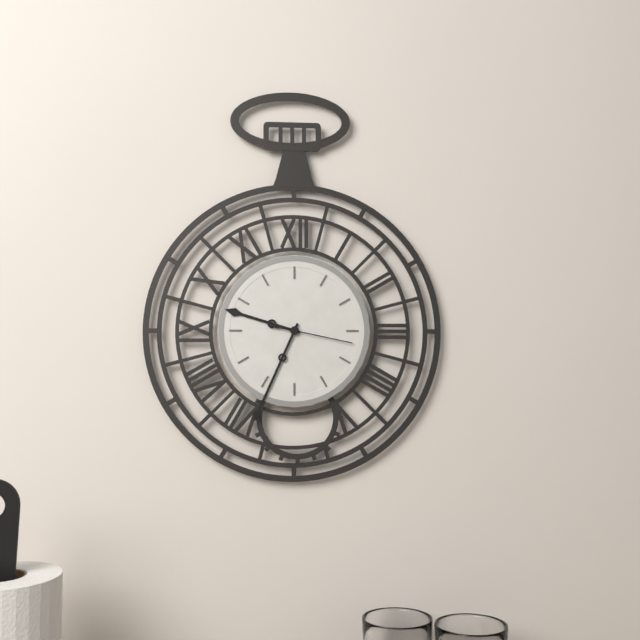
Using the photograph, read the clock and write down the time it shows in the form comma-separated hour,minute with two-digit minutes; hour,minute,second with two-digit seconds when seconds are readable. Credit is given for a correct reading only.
9,34,17
